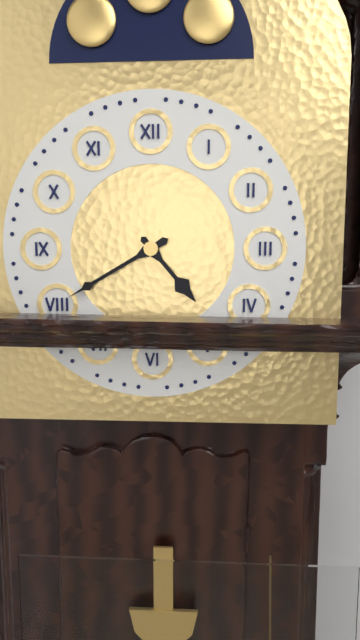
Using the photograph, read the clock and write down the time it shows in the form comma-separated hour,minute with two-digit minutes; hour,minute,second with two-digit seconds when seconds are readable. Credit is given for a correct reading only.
4,40
